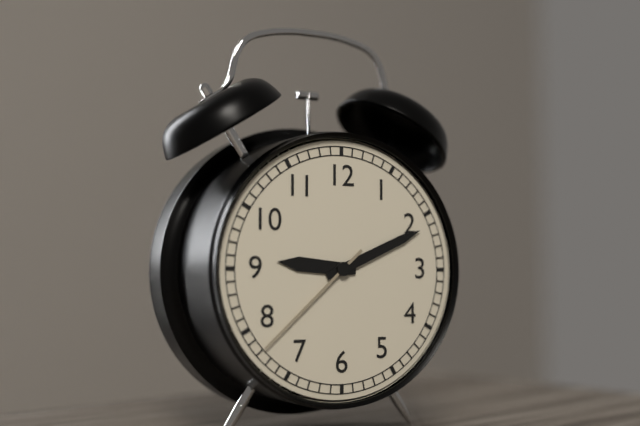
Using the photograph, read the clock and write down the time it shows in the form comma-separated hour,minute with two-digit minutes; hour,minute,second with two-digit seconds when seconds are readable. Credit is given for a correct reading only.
9,11,38
